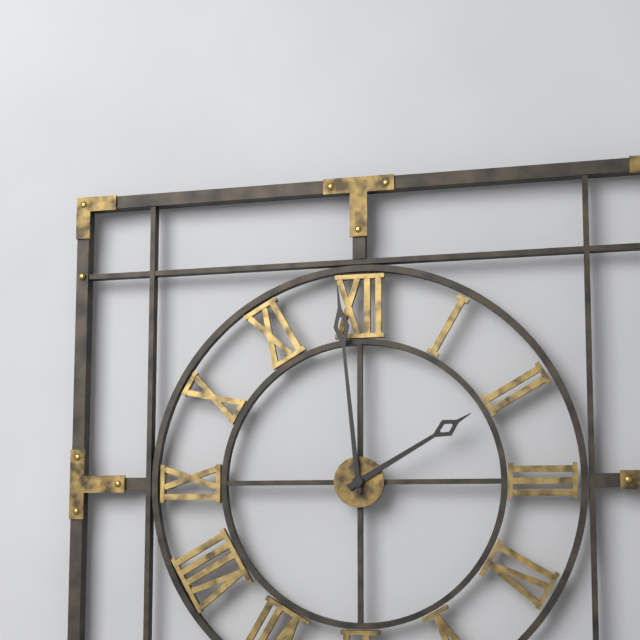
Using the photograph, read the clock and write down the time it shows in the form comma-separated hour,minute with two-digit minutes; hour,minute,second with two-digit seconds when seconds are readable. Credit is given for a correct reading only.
1,59
